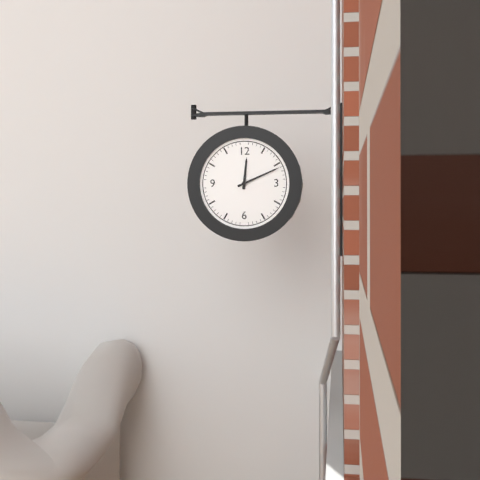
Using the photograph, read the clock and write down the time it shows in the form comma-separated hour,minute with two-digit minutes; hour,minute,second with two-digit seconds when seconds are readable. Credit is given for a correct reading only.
12,11
